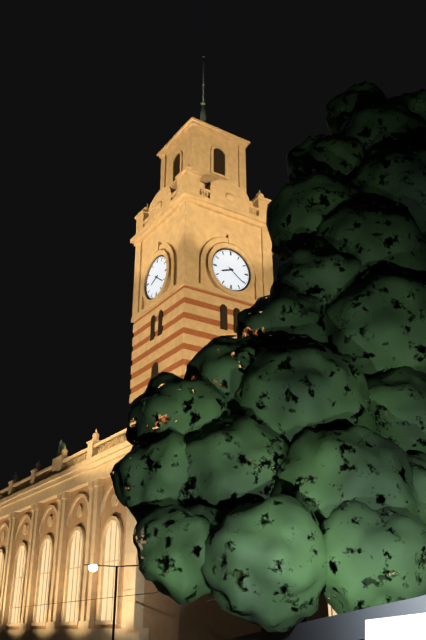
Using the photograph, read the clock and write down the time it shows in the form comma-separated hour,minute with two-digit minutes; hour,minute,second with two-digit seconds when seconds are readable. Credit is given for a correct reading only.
8,21
